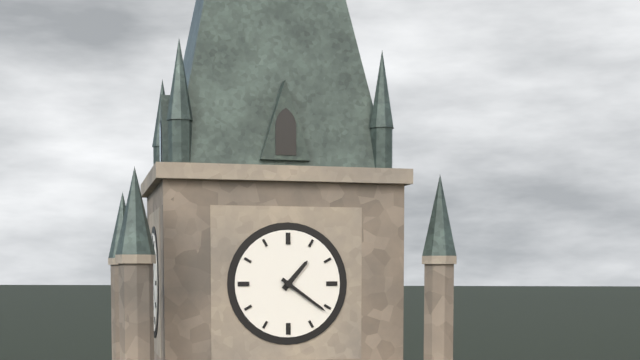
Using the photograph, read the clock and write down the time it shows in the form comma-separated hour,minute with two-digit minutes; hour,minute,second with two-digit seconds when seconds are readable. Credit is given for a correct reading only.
1,21
